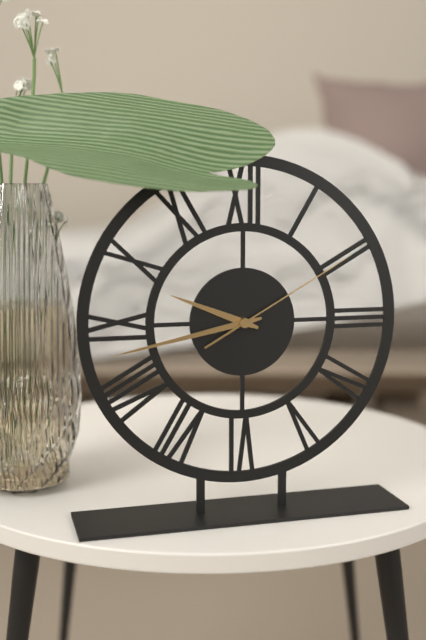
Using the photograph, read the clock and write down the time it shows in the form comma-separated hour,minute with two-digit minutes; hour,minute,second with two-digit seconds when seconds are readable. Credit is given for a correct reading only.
9,43,10
